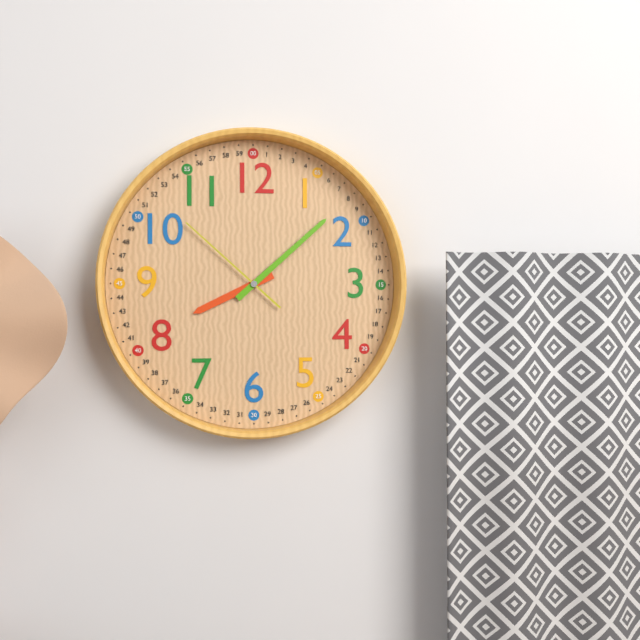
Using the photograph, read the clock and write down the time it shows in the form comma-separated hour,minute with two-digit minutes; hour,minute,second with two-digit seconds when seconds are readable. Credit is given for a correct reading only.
8,08,52
